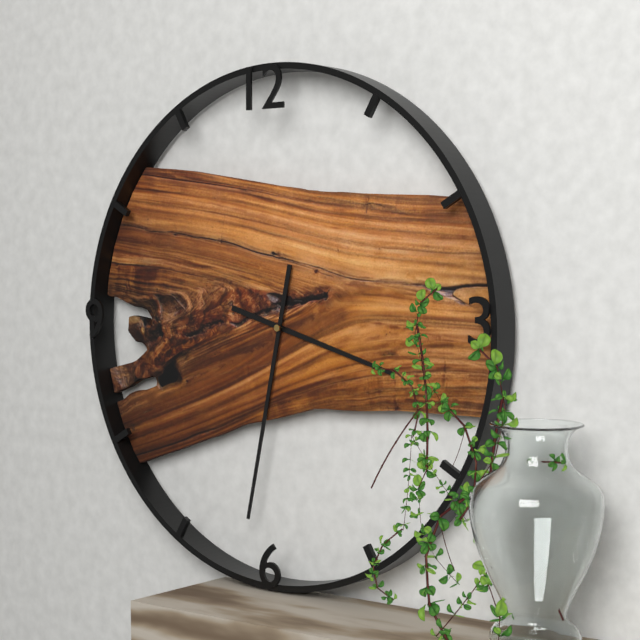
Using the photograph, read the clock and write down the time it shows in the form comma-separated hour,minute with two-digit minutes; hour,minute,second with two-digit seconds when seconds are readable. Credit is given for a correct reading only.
3,32
